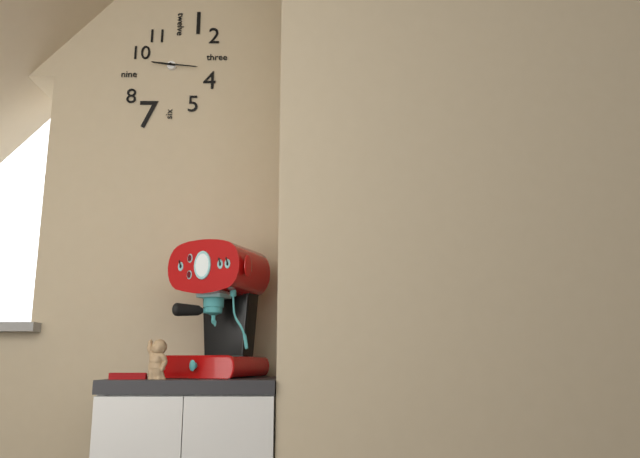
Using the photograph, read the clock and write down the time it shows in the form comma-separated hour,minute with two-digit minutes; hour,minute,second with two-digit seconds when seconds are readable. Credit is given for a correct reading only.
9,16
